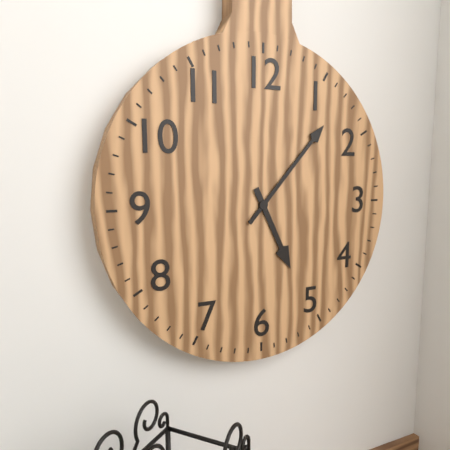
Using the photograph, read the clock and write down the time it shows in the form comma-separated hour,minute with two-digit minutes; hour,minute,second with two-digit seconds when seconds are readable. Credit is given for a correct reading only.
5,07
